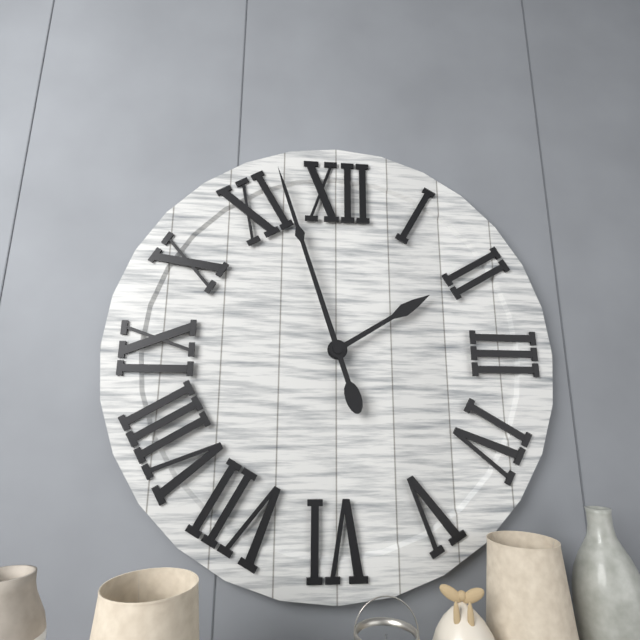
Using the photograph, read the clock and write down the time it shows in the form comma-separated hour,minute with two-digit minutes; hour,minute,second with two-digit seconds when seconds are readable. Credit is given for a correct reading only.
1,57
